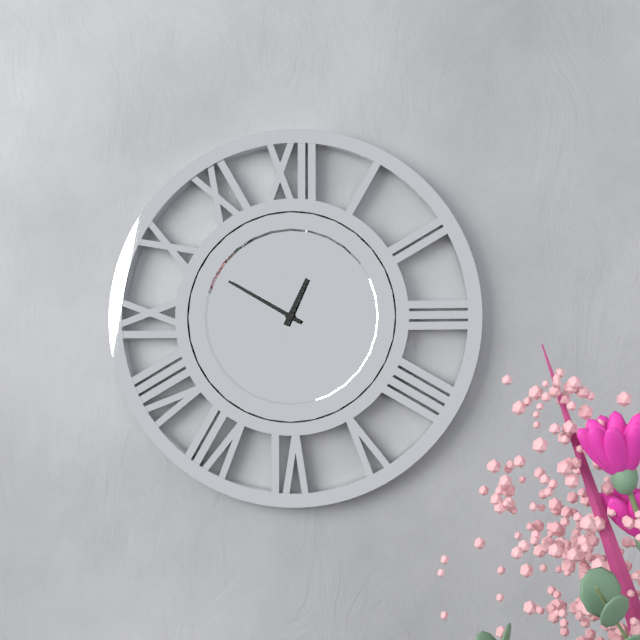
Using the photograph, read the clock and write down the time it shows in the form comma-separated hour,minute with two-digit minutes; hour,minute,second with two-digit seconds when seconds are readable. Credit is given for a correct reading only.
12,50
